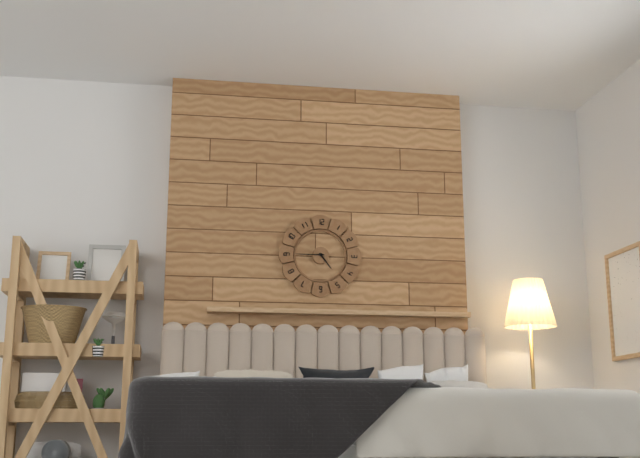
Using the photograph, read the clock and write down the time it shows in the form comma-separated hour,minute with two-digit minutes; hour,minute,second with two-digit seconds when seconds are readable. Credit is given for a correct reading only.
4,45
